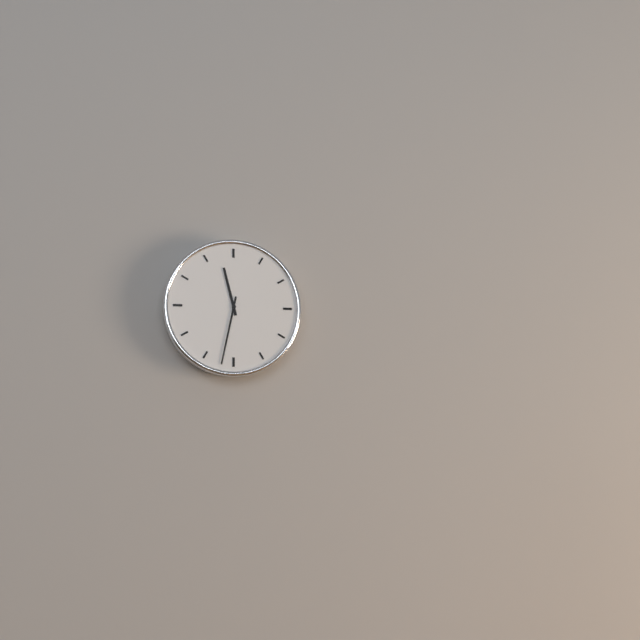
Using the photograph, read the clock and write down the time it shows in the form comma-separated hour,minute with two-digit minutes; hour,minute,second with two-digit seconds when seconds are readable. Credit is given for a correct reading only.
11,32
